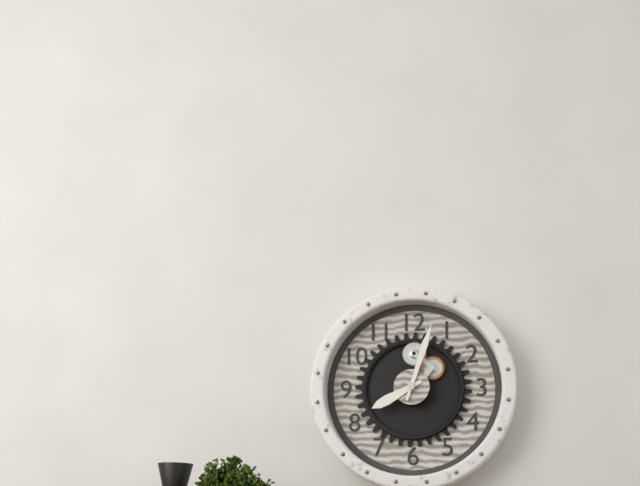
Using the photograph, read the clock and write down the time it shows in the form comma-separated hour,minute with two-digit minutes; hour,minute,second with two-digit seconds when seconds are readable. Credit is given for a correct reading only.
8,03
